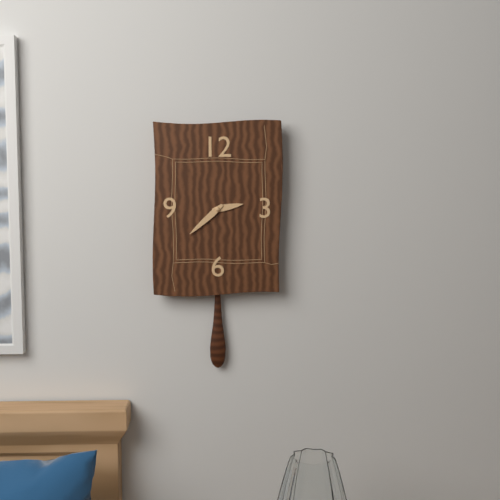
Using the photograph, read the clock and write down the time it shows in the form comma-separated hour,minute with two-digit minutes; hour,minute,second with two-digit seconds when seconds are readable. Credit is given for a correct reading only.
2,38
